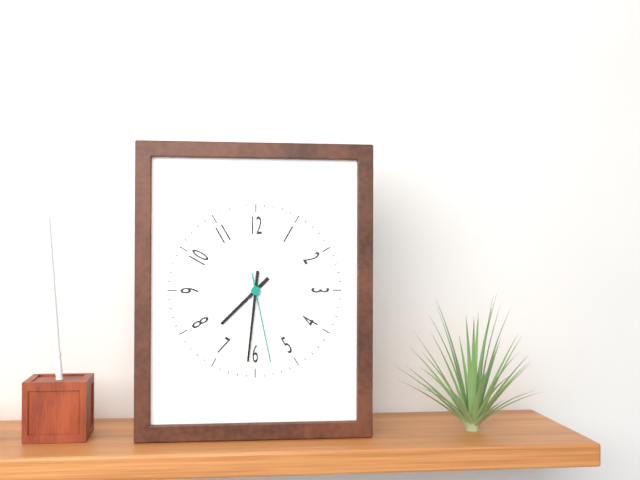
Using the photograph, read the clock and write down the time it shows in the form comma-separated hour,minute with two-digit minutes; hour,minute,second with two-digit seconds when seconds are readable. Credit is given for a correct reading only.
7,31,28
